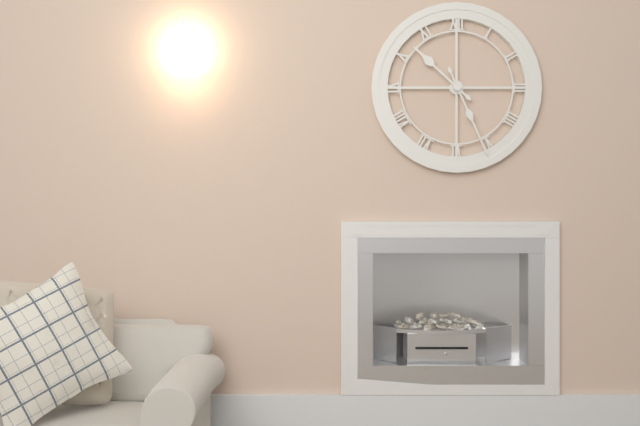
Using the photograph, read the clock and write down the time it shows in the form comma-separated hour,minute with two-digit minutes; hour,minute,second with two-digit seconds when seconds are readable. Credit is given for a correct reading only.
10,26
